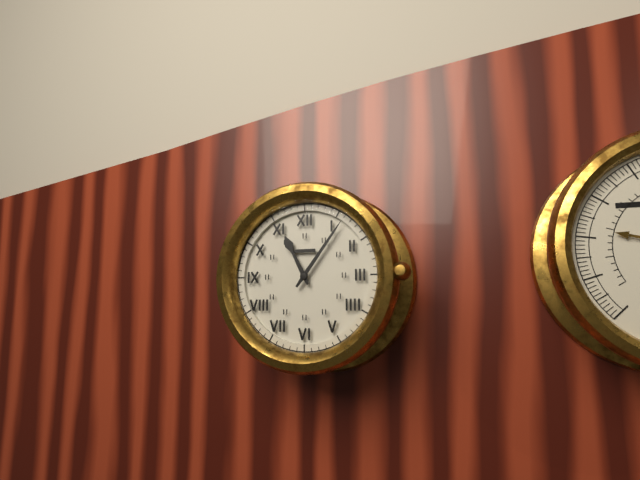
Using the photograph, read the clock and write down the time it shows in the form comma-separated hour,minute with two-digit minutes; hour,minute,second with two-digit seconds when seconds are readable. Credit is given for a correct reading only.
11,06
